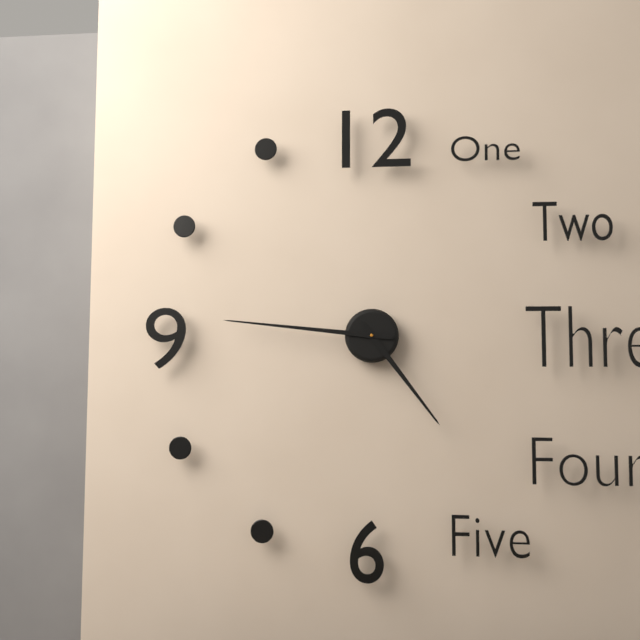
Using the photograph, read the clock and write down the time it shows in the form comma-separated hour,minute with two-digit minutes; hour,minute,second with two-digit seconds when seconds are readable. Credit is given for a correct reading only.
4,46
